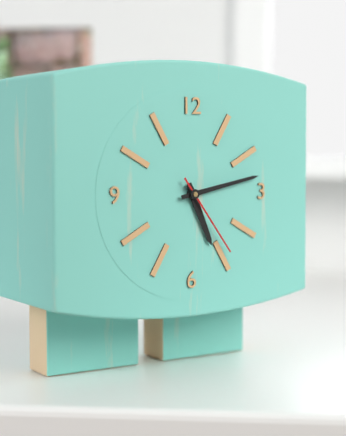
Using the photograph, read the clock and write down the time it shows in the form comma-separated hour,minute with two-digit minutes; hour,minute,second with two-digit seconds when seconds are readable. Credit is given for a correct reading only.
5,13,24
